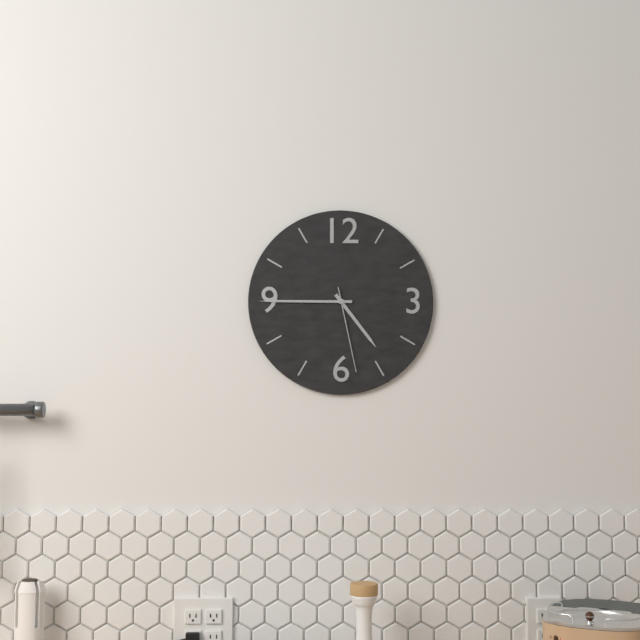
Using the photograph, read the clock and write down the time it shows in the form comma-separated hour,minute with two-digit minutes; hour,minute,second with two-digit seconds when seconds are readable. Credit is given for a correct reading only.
4,45,28
